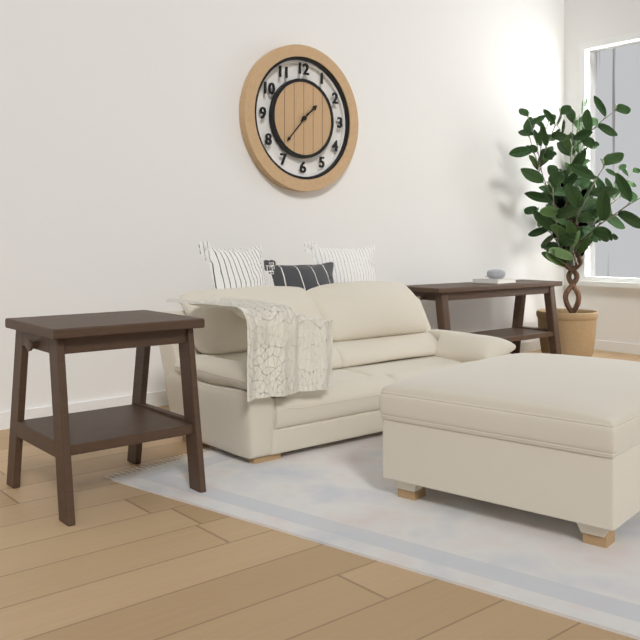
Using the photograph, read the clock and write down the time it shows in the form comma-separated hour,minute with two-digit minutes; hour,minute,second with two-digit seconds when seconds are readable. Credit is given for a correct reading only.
1,37
